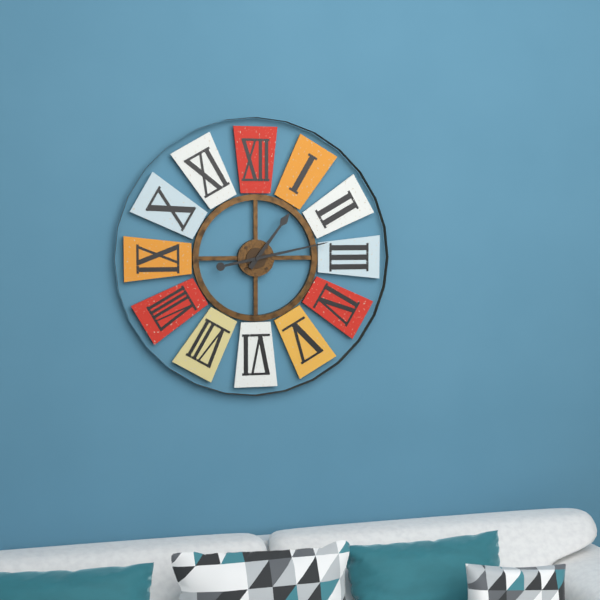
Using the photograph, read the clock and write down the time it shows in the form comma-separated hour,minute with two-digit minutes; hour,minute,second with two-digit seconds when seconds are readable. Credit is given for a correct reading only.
1,13
